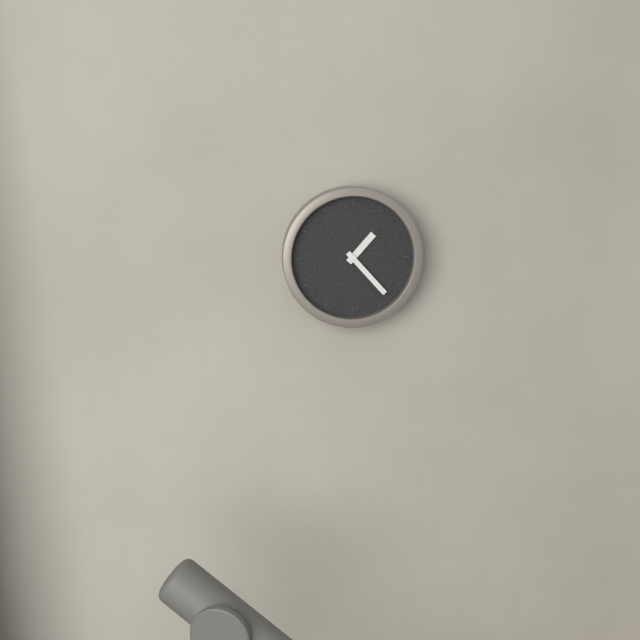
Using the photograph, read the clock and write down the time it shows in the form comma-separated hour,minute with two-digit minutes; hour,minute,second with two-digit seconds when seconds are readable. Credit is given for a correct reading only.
1,23
